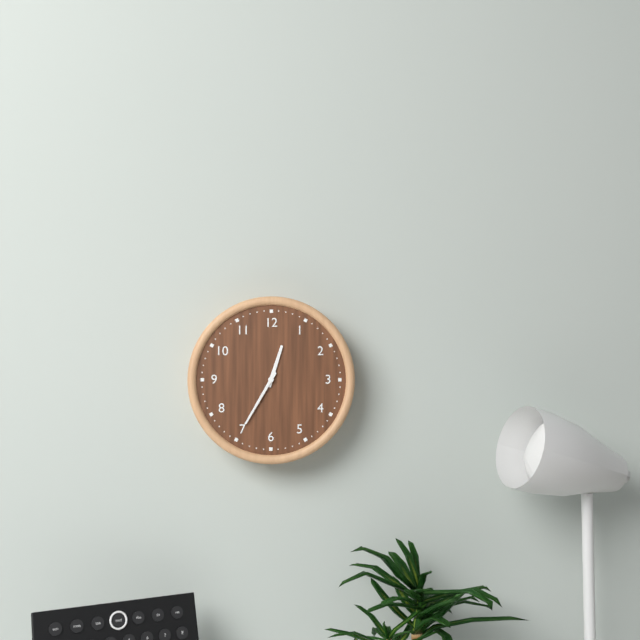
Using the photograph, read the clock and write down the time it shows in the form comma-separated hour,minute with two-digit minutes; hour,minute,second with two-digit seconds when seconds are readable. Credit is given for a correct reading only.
12,35
